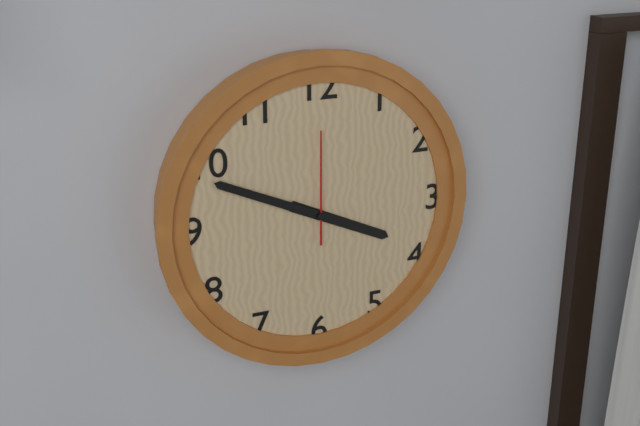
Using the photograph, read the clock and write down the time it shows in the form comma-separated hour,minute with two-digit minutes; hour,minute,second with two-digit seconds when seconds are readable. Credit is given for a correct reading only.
3,49,00
